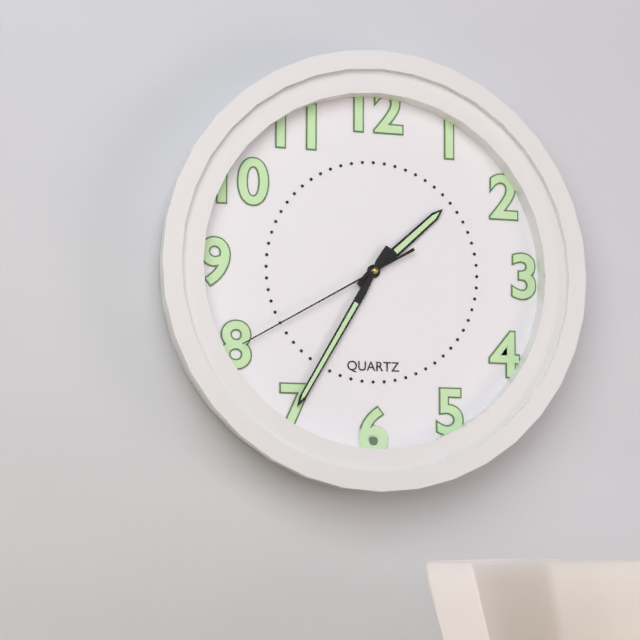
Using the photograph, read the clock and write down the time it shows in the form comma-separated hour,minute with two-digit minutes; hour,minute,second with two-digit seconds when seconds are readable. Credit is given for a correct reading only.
1,35,40
